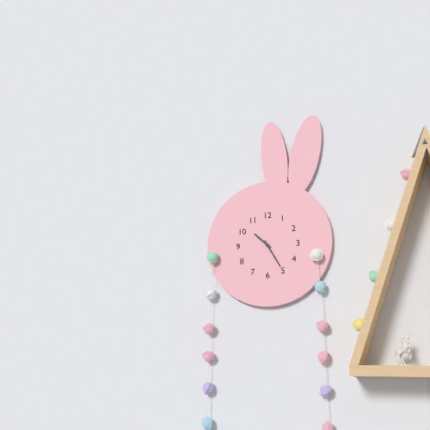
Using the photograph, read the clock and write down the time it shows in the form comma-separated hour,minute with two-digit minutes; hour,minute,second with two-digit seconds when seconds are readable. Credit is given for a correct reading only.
10,25
